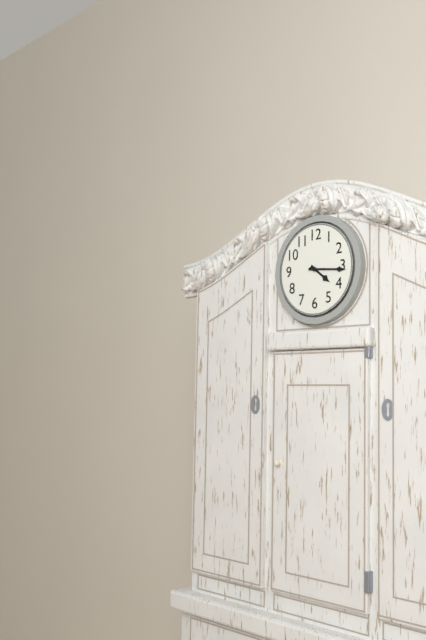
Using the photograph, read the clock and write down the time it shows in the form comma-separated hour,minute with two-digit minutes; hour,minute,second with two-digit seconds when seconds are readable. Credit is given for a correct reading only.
4,16
